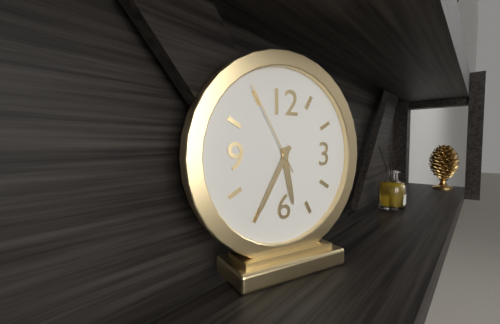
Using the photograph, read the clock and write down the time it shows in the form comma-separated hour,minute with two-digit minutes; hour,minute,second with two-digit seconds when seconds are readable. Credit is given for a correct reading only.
5,35,55
